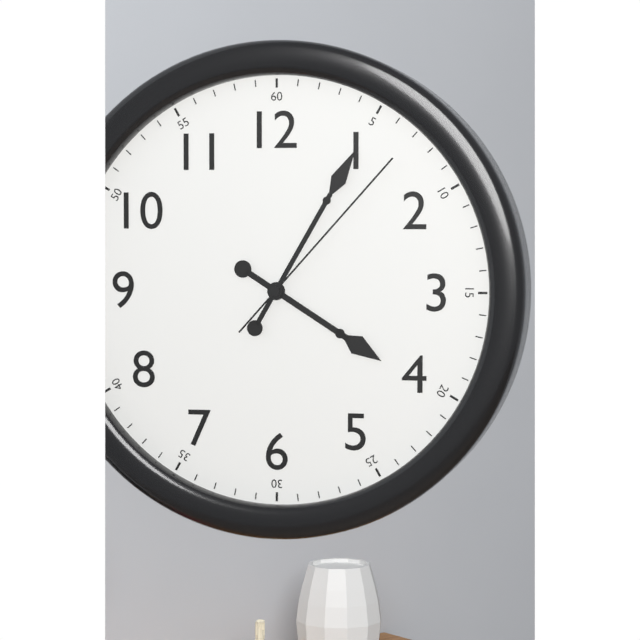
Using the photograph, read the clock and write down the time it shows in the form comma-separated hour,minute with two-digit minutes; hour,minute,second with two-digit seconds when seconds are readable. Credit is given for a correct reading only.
4,05,07
